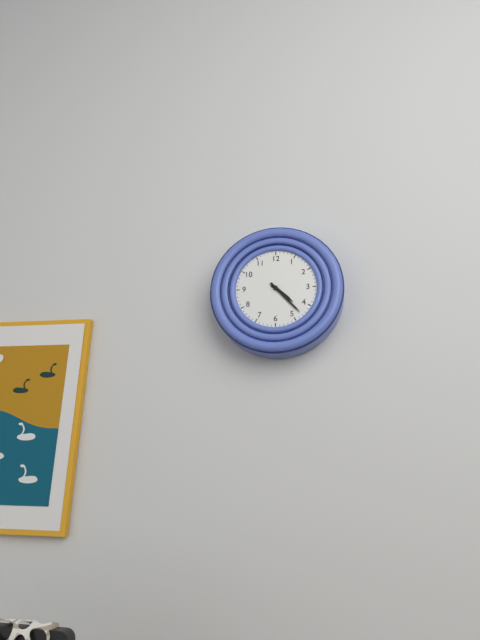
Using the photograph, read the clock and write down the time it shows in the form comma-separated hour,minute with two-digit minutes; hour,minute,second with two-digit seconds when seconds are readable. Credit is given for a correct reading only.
4,23
